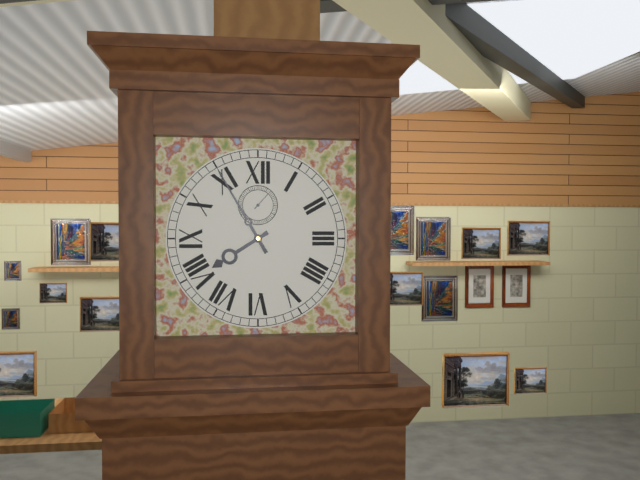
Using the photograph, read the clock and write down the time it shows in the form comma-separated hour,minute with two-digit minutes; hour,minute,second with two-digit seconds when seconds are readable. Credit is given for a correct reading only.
7,55
